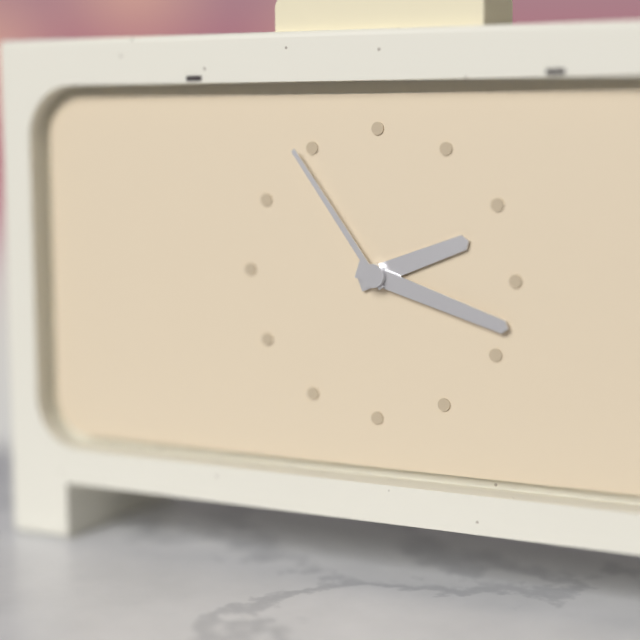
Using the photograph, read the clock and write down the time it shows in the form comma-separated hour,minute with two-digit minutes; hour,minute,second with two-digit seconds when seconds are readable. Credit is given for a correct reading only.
2,18,54
